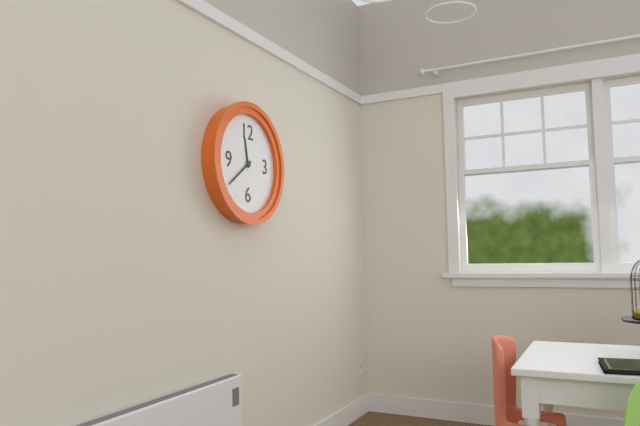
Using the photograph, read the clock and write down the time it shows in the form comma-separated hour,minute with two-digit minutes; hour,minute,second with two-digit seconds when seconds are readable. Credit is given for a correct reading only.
11,39
